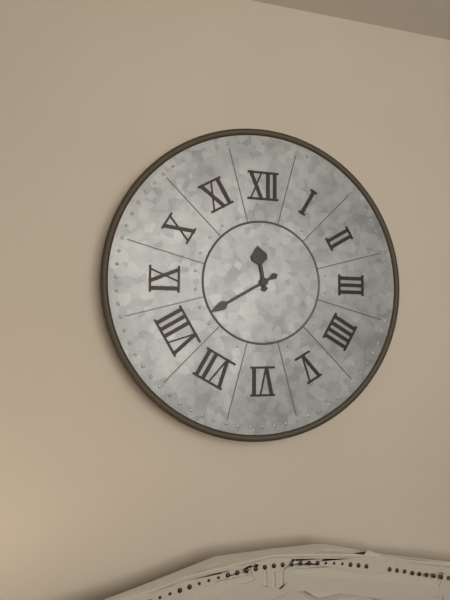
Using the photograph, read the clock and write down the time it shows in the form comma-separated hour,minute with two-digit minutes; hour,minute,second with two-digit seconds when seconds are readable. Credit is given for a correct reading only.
11,40
